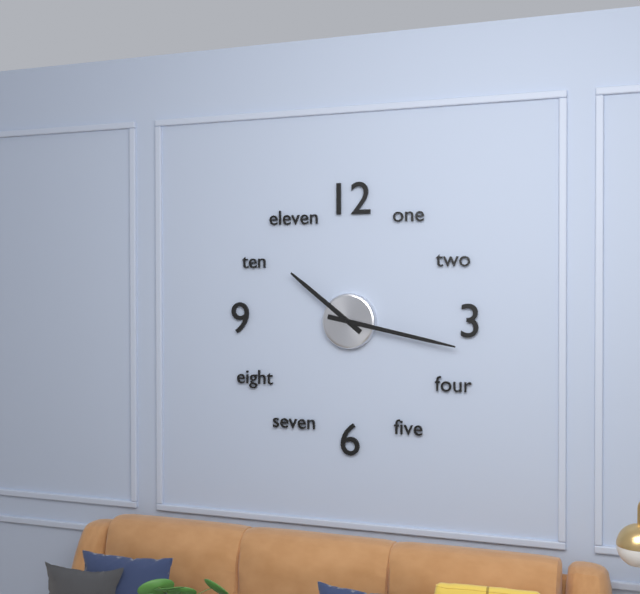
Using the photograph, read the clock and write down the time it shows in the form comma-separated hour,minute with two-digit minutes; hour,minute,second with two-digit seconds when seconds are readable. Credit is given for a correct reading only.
10,17
